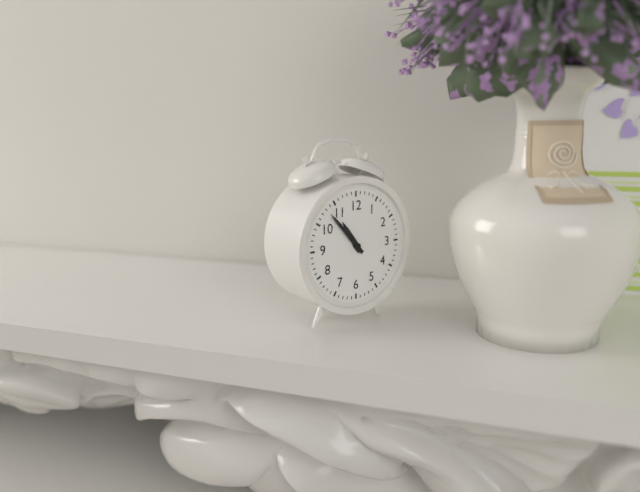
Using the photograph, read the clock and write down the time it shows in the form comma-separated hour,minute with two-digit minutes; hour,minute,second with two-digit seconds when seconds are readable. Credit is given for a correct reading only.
10,53
